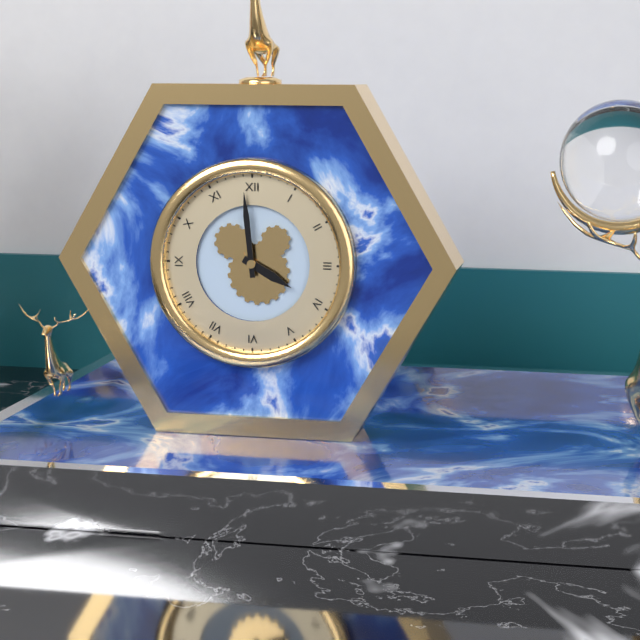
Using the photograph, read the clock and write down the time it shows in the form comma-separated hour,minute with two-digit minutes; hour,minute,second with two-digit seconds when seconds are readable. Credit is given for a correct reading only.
3,59
